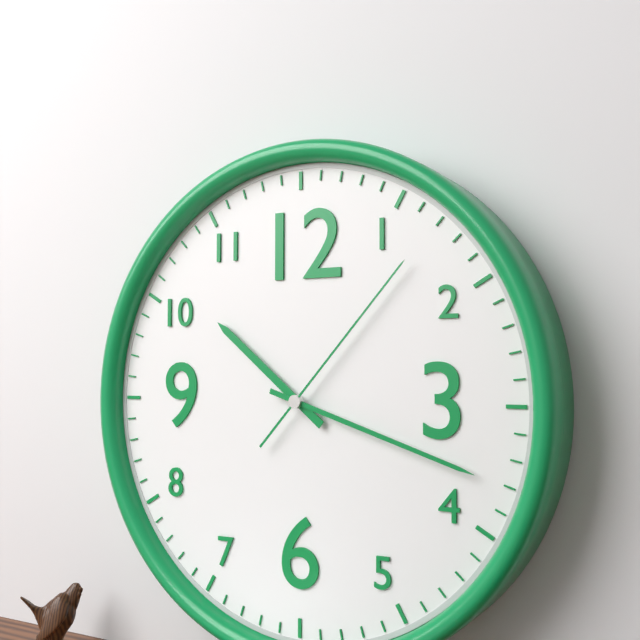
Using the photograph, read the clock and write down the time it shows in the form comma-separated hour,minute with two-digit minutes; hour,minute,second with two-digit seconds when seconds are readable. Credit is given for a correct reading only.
10,18,07
